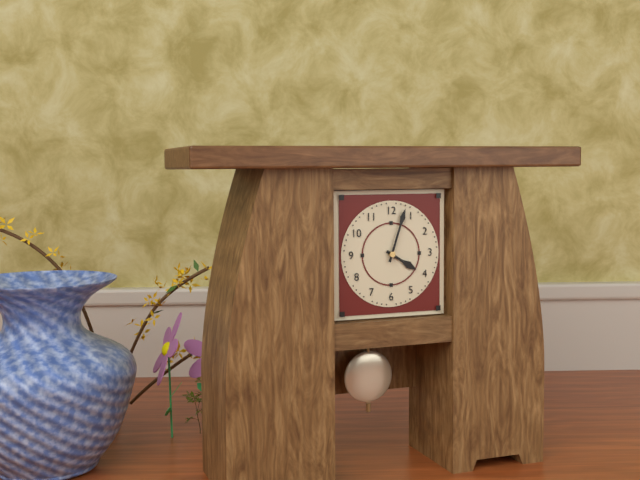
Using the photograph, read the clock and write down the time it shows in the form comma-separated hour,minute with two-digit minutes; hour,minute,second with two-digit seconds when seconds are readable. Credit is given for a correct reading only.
4,03
